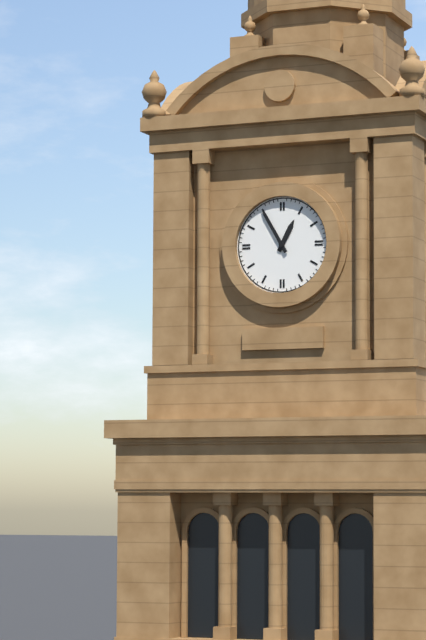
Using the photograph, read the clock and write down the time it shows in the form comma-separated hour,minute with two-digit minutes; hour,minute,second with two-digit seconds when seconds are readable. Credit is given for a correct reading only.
12,55
